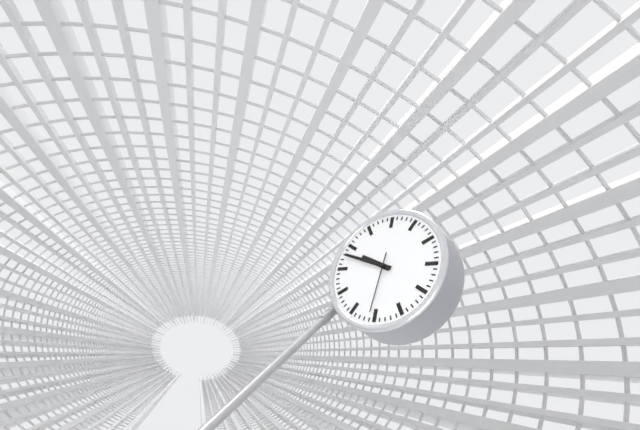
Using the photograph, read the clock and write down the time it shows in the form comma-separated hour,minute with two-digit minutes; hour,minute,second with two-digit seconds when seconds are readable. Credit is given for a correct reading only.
9,48,31
